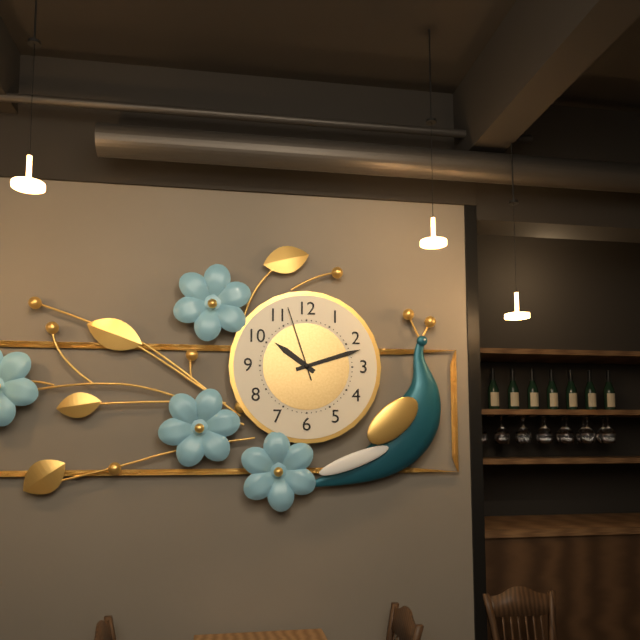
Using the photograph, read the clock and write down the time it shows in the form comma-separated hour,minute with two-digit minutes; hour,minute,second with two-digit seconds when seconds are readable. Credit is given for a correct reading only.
10,12,57
